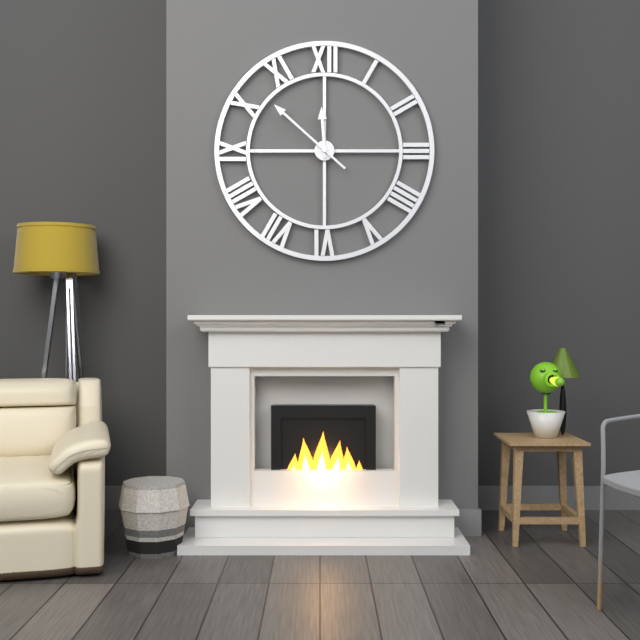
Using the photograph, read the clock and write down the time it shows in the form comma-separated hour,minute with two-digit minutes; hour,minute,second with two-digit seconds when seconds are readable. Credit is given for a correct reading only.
11,52
